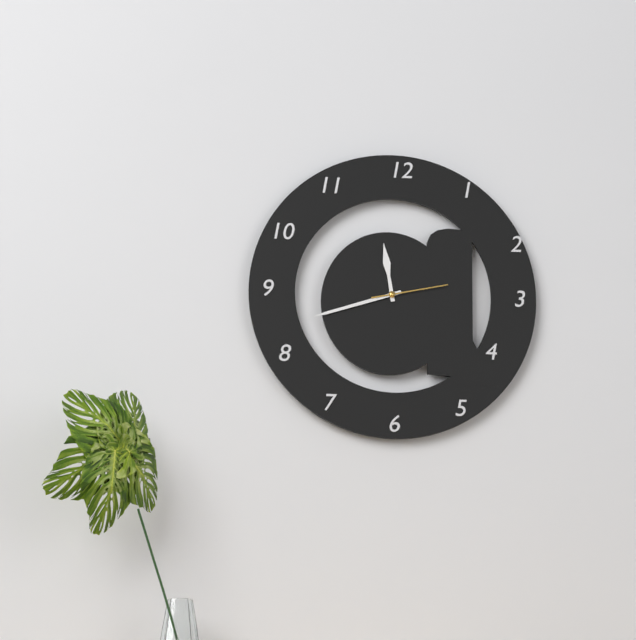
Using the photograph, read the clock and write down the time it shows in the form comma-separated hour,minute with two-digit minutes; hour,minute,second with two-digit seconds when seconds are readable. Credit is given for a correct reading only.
11,42,13
